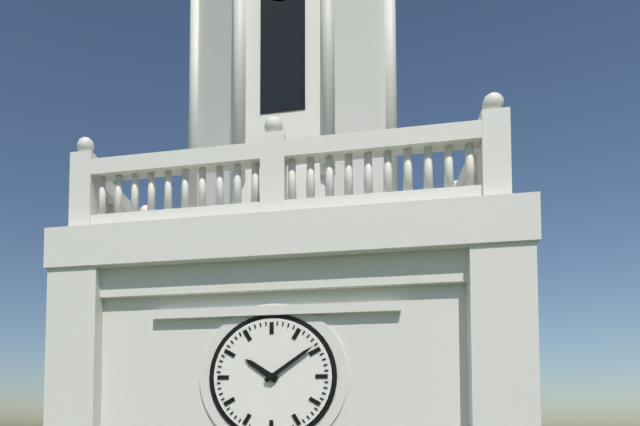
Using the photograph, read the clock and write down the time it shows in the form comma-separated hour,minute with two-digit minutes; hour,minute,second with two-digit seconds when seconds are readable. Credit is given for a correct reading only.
10,09
